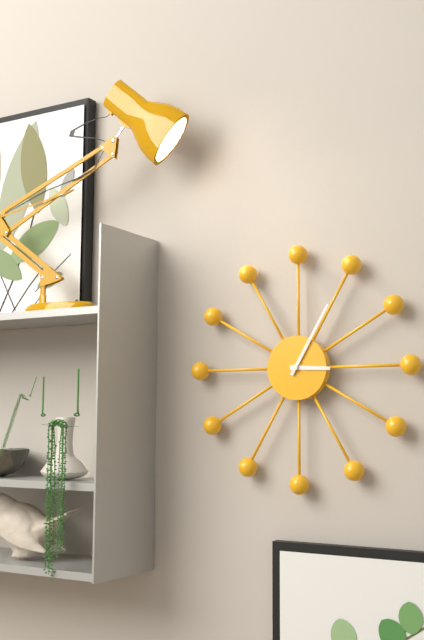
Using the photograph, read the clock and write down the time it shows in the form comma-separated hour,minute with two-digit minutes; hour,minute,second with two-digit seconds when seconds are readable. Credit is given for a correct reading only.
3,05
